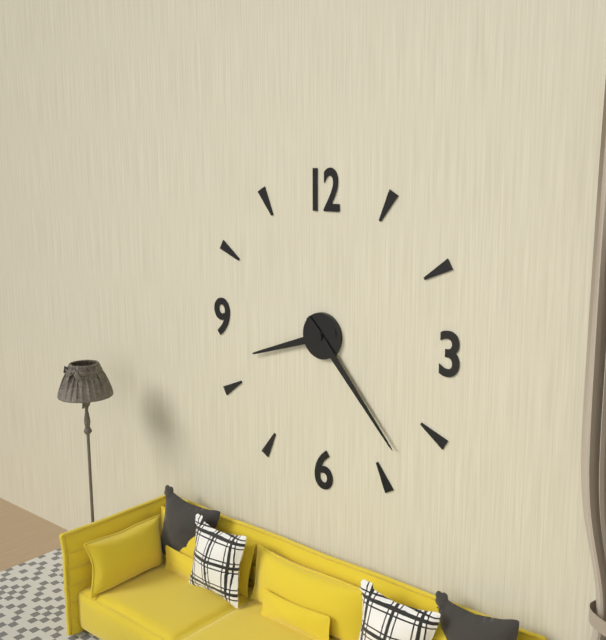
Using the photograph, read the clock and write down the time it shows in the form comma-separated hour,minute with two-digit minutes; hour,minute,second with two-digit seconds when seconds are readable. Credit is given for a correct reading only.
8,23
